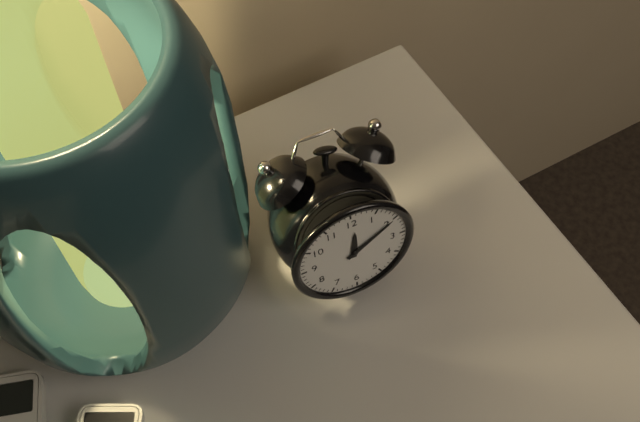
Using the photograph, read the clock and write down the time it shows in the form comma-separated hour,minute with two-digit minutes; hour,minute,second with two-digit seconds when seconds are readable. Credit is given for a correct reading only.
12,10
